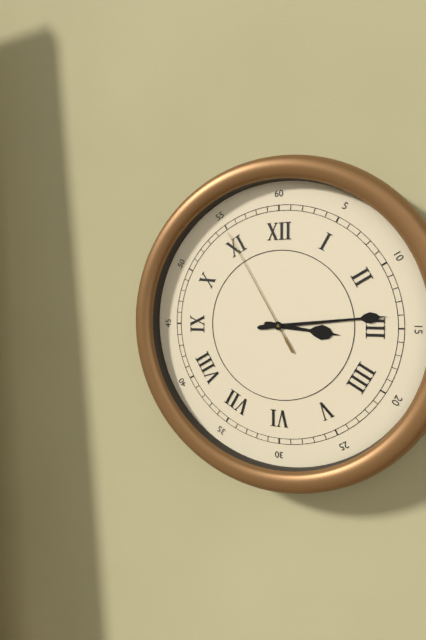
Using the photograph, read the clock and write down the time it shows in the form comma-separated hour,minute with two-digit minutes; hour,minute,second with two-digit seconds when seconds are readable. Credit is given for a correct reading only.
3,14,55
